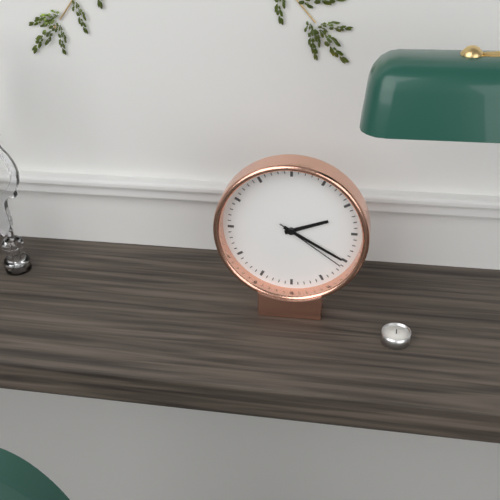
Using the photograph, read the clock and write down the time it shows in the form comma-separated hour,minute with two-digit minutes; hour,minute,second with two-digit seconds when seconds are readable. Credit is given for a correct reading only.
2,20,21
